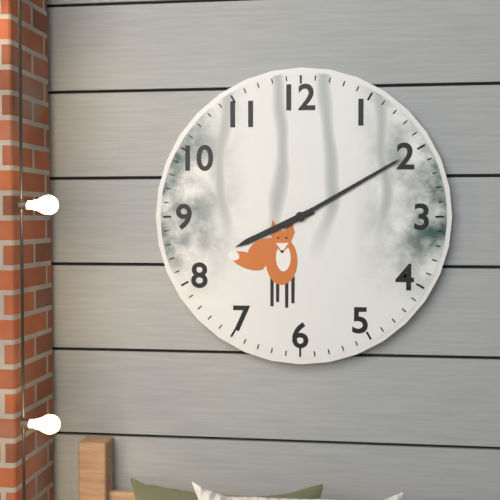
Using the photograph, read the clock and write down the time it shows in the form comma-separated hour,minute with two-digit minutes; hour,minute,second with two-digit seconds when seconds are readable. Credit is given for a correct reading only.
8,10
